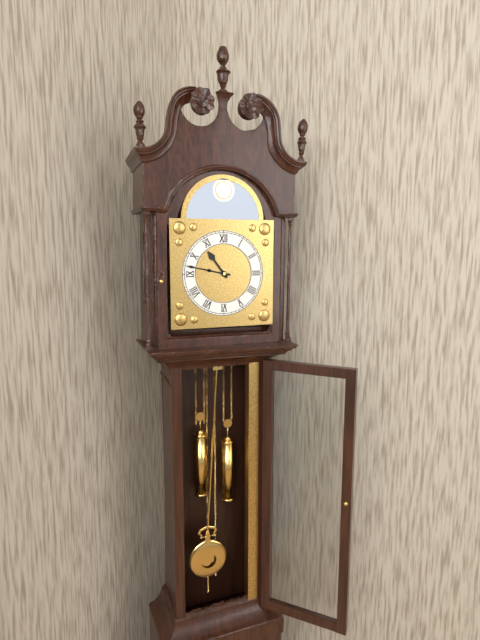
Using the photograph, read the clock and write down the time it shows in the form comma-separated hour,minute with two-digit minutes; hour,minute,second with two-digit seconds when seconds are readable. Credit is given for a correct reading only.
10,47
